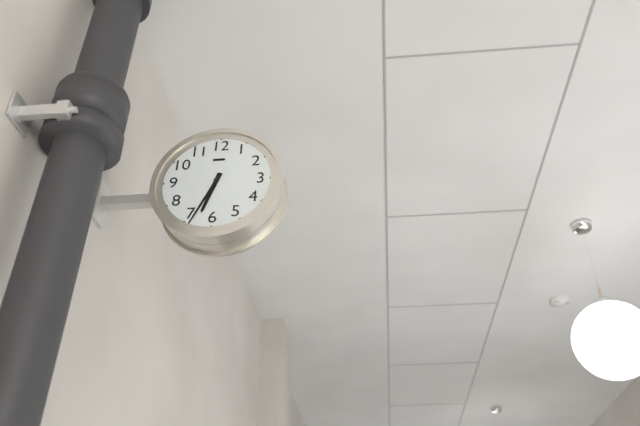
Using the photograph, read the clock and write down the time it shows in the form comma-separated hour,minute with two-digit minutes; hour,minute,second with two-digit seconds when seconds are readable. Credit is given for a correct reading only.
6,34
